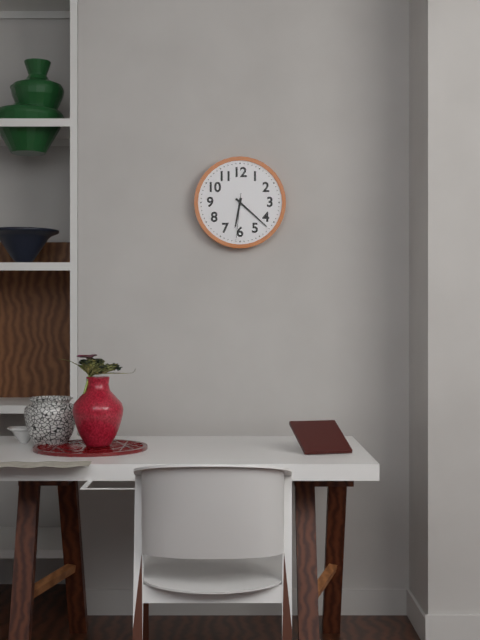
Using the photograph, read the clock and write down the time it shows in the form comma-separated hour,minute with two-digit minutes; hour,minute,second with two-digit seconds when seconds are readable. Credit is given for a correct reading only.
6,22
